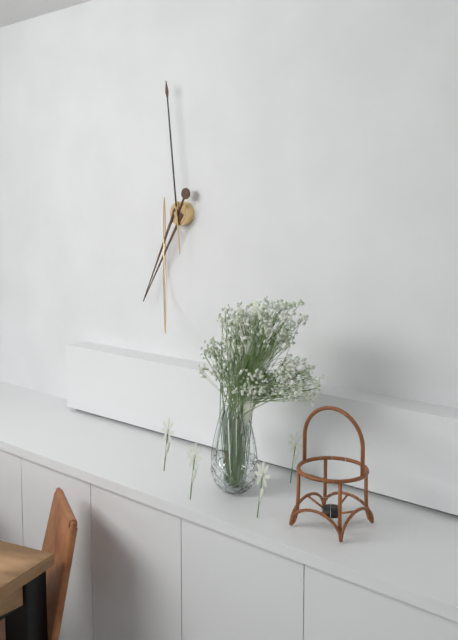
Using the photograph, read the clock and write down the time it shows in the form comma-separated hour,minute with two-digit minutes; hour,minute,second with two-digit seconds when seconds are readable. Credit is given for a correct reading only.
6,59
